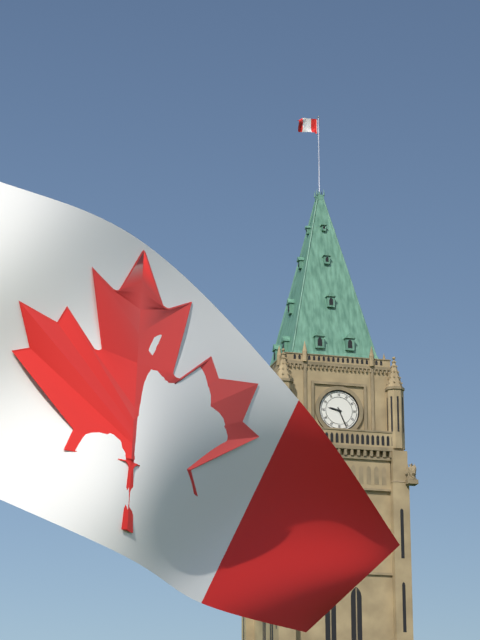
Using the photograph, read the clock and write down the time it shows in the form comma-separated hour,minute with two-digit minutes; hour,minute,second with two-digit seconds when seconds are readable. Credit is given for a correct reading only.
9,26
